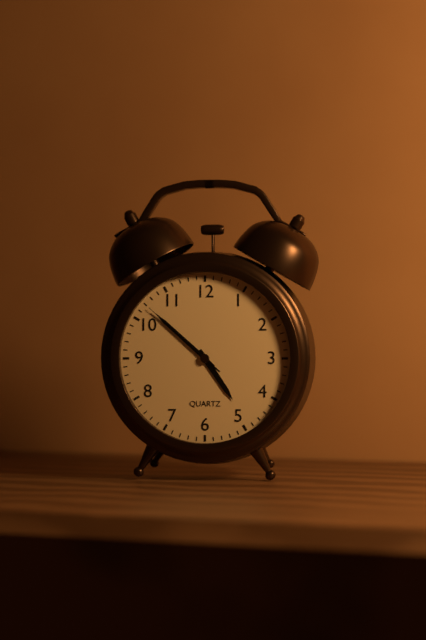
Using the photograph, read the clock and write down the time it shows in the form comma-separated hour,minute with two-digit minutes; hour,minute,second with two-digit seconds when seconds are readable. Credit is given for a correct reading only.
4,52,52
